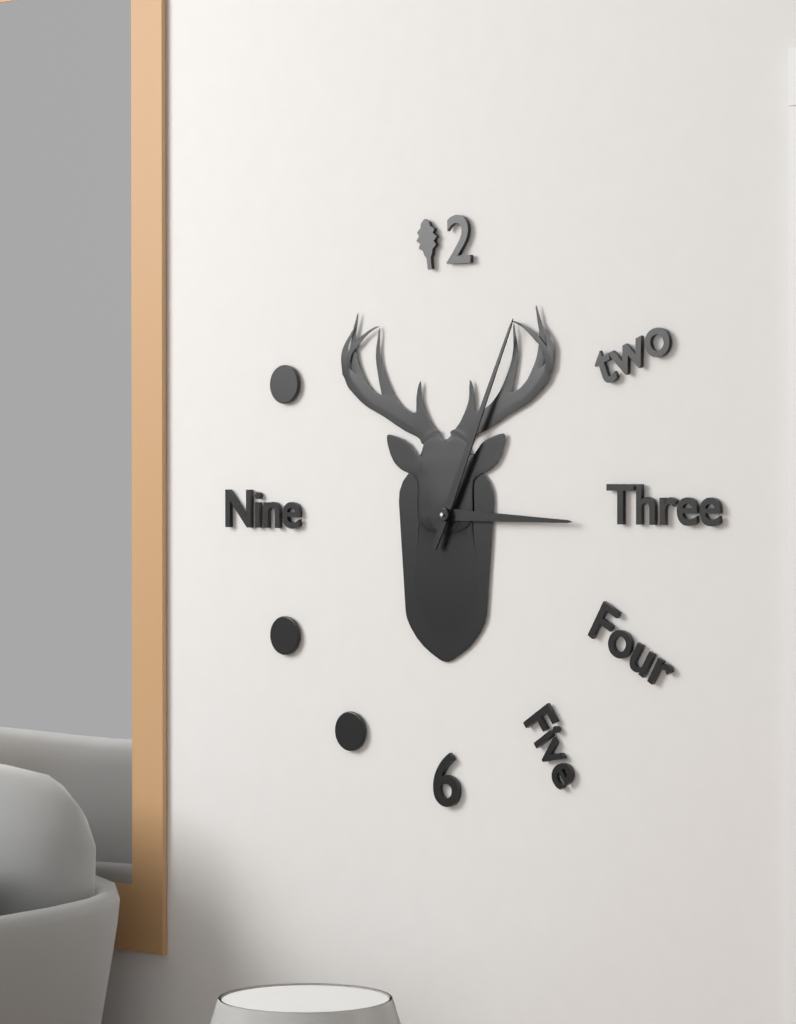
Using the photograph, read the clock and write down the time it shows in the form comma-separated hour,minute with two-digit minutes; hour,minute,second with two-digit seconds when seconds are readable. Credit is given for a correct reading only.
3,04
